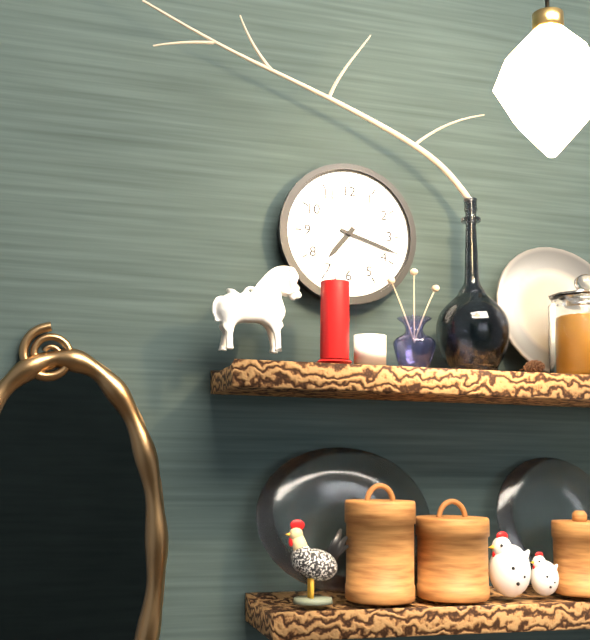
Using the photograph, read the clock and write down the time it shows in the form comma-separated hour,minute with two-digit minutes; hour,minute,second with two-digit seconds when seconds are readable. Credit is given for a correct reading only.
7,18
